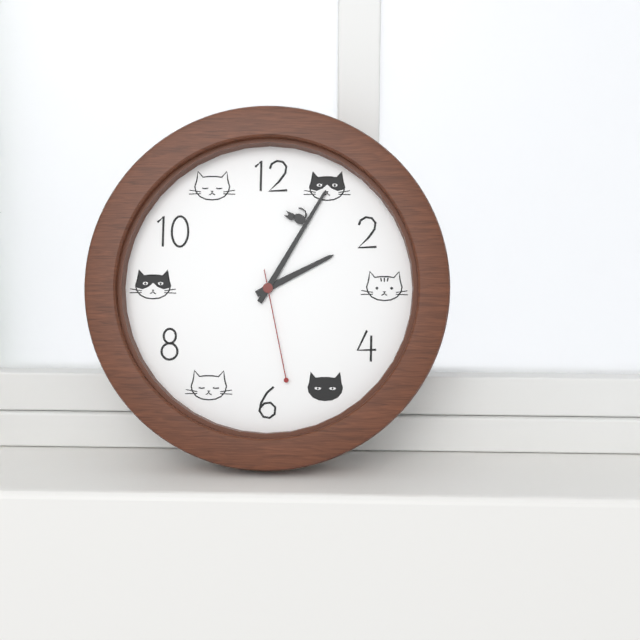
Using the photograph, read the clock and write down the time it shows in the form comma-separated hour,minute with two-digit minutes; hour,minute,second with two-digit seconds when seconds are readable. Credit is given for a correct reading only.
2,05,28
